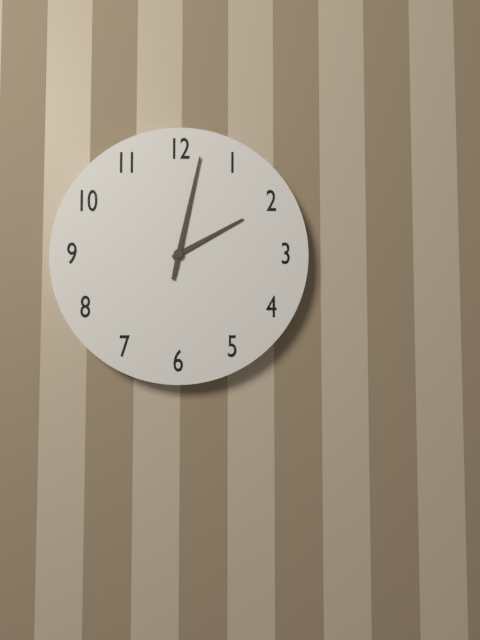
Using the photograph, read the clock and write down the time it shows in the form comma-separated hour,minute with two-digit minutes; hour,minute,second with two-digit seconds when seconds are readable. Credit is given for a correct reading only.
2,02
